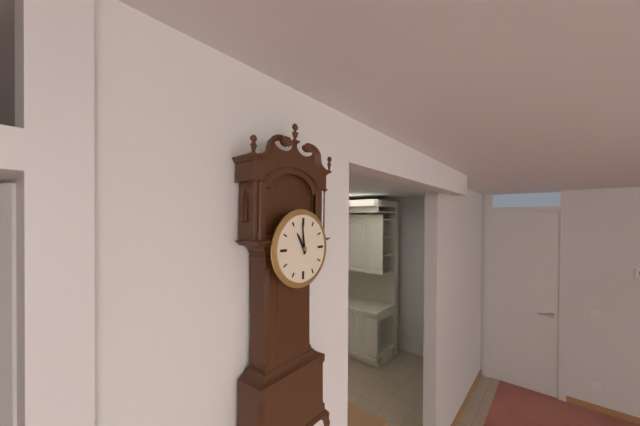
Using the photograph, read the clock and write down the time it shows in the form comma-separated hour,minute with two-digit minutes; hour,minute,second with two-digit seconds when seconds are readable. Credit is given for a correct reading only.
10,59
